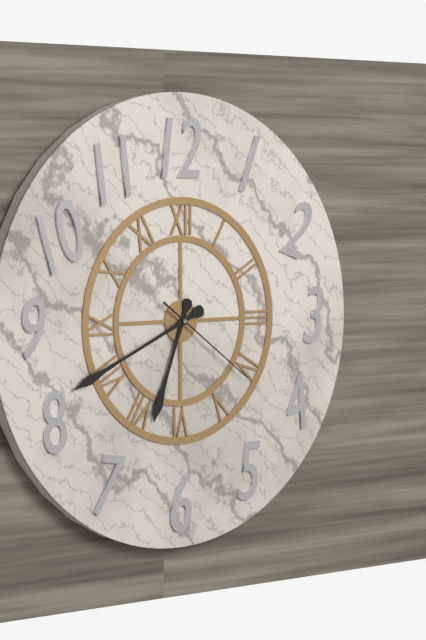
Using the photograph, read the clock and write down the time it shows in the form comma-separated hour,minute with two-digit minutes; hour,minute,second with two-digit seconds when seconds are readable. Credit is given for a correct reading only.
6,41,21
